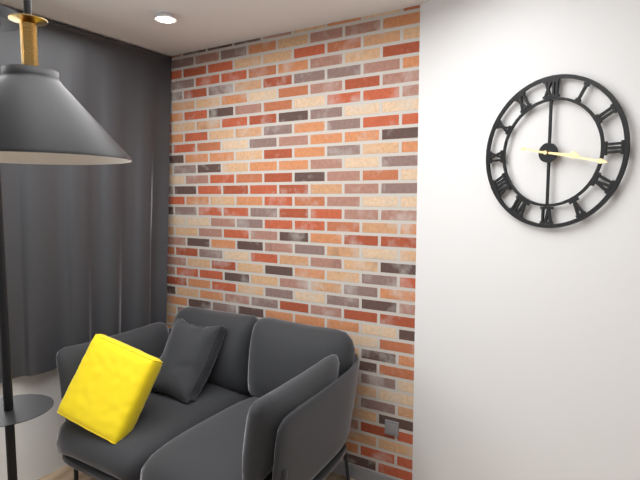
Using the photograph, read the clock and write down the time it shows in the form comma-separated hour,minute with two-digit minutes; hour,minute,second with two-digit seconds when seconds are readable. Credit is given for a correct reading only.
3,17
